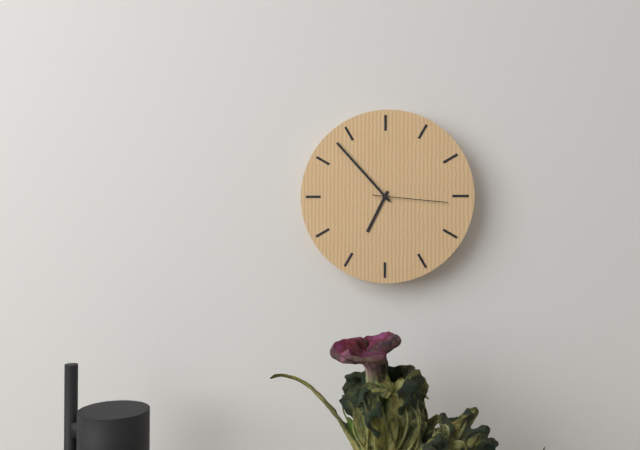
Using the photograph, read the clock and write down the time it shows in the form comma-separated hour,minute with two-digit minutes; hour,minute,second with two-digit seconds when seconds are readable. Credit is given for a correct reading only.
6,53,16
